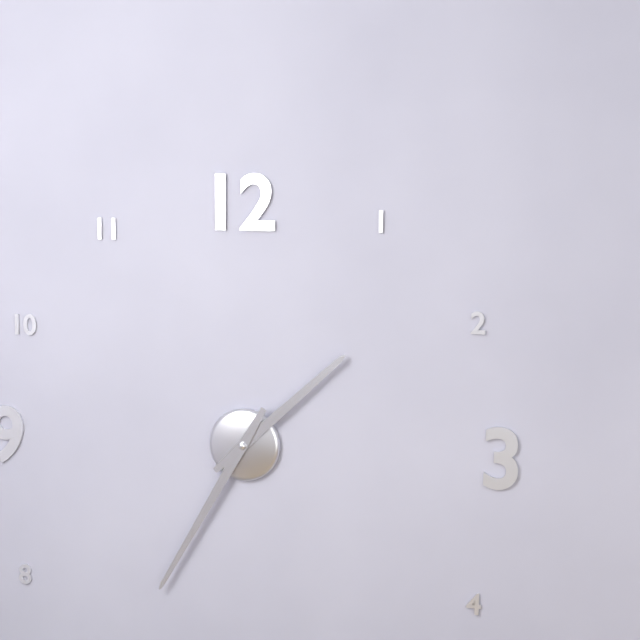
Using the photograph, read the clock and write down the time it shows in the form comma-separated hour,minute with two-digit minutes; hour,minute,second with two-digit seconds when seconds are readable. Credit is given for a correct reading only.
1,35
